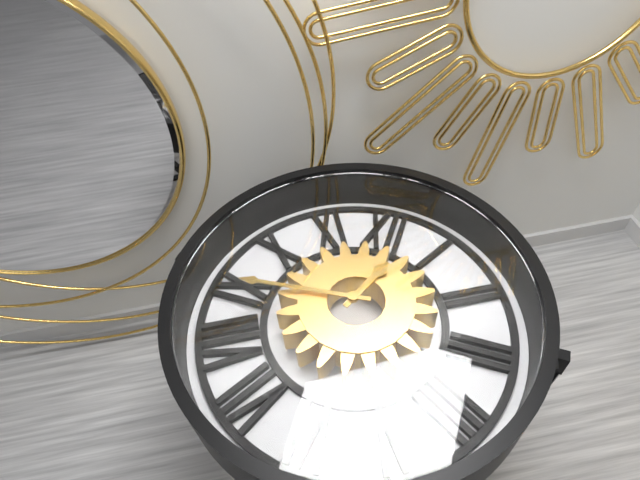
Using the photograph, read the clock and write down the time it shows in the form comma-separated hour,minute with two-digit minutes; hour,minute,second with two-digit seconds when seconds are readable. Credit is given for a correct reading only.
12,44
